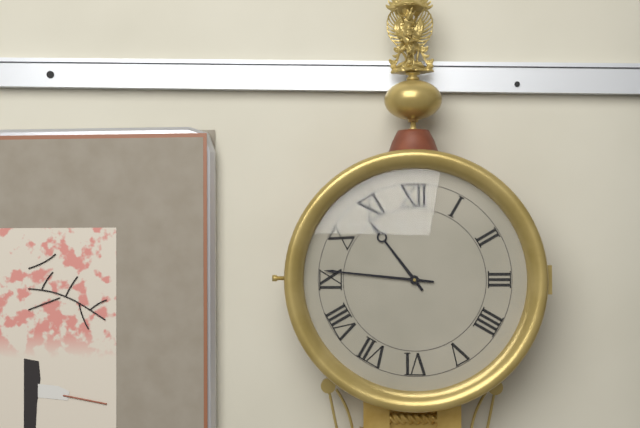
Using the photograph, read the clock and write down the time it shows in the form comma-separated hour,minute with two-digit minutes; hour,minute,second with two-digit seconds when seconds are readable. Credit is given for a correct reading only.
10,46
